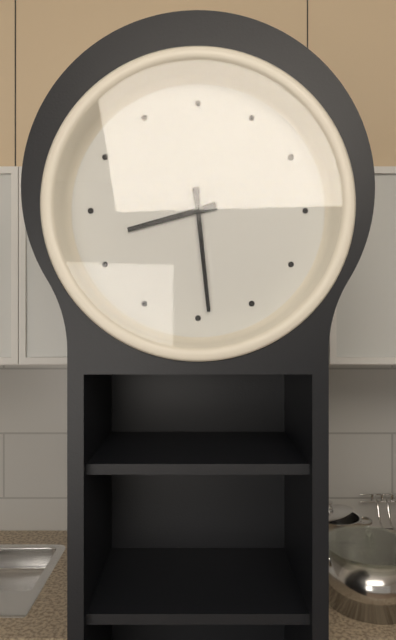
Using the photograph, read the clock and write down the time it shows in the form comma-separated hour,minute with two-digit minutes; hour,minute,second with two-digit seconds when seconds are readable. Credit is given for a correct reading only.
8,29
